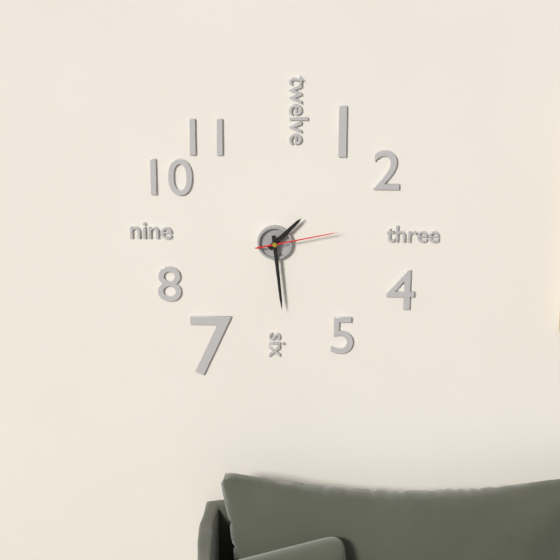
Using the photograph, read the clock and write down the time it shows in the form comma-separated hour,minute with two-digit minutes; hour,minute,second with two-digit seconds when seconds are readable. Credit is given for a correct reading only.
1,29,13
